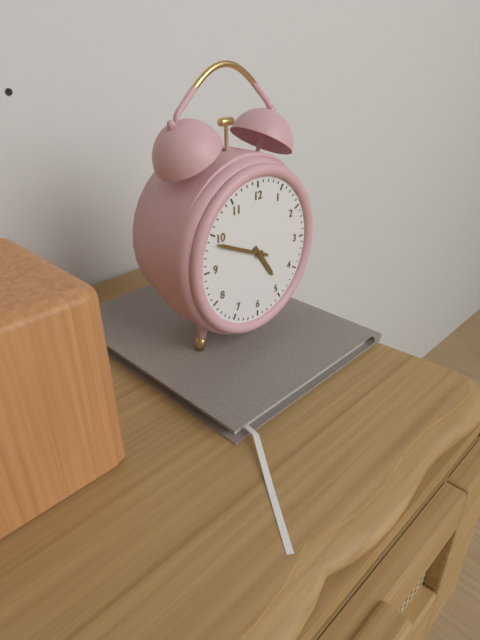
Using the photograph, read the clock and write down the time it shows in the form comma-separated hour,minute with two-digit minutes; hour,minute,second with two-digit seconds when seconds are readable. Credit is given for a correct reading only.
4,49
